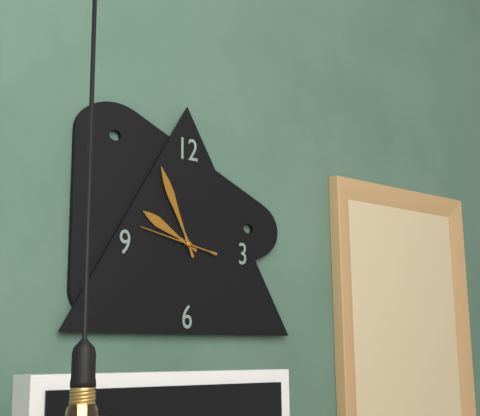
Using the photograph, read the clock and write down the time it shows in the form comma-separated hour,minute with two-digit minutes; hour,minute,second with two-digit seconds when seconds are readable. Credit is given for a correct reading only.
9,56,47
